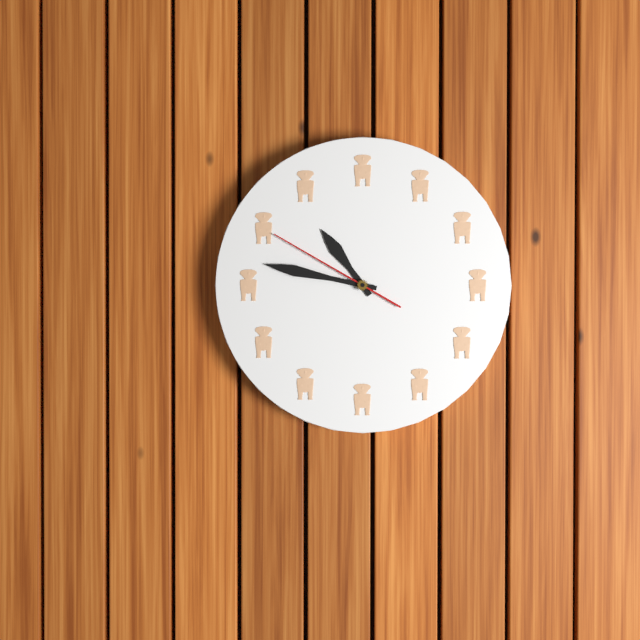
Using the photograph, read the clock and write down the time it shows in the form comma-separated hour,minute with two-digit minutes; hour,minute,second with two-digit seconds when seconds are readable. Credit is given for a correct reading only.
10,47,50
